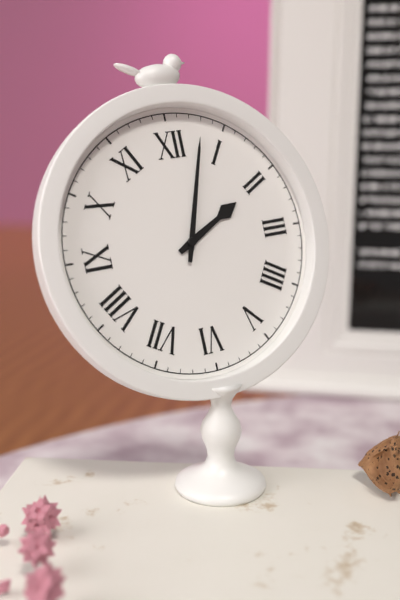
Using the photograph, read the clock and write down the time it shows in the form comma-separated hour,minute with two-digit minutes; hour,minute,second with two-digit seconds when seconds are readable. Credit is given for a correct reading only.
2,03
